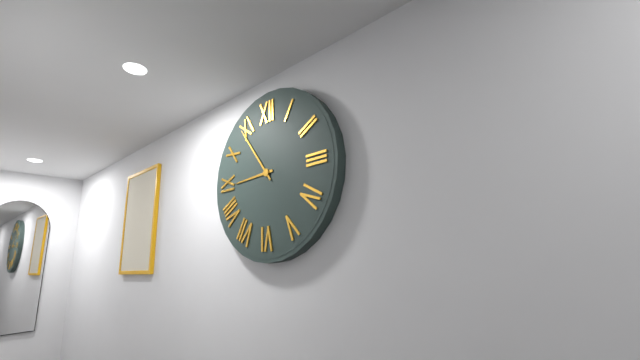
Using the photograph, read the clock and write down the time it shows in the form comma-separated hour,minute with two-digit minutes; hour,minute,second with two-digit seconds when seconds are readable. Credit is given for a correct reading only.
8,54
